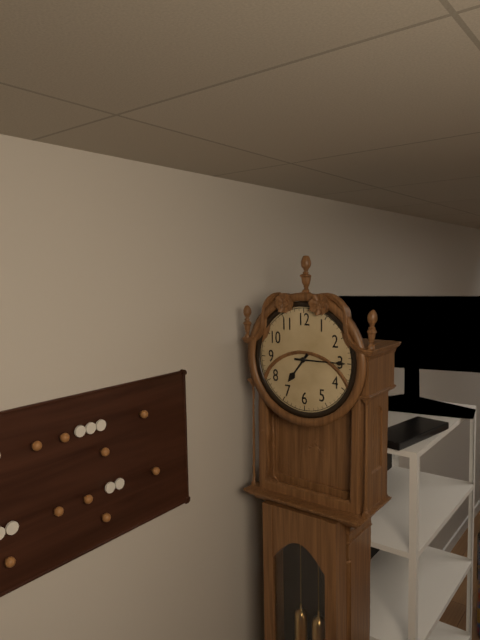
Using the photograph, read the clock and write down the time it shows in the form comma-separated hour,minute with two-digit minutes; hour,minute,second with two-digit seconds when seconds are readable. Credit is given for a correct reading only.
7,15
